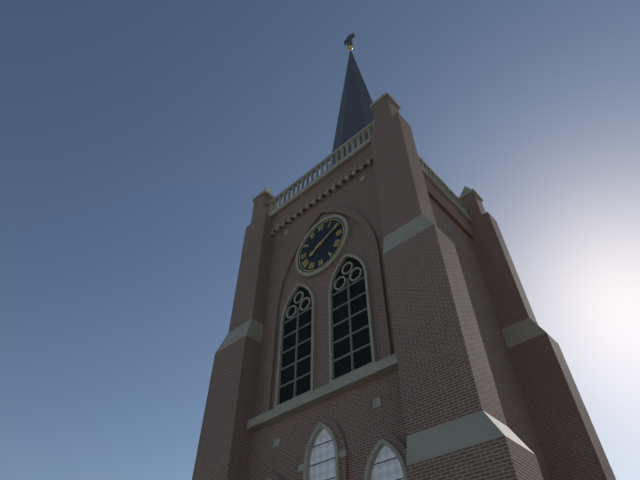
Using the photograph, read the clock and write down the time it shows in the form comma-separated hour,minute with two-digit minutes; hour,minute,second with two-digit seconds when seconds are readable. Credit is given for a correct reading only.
8,11
